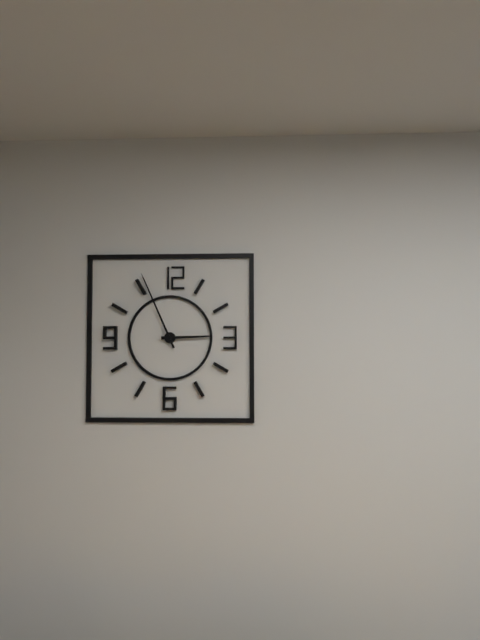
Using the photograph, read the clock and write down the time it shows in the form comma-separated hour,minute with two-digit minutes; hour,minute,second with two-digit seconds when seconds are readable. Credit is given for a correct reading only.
2,56
